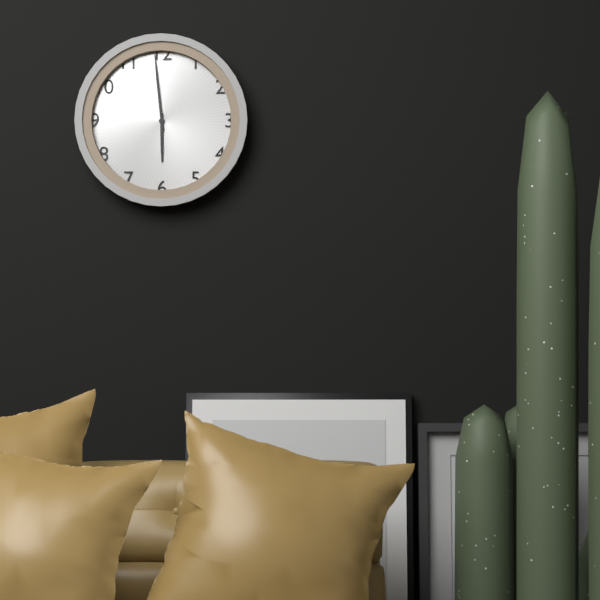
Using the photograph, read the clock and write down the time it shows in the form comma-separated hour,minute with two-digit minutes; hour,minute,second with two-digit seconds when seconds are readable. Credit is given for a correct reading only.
5,59
